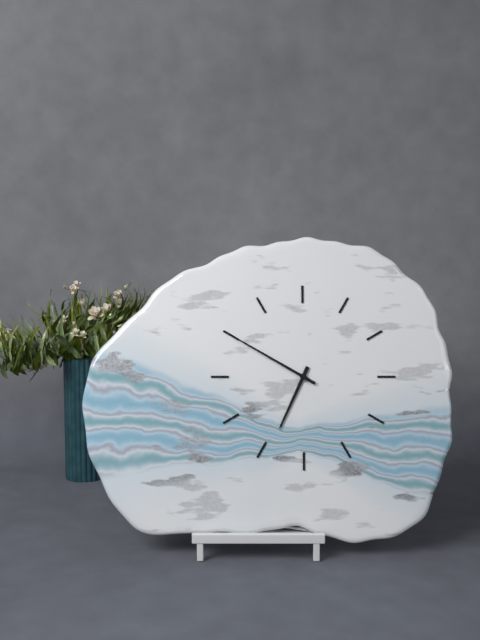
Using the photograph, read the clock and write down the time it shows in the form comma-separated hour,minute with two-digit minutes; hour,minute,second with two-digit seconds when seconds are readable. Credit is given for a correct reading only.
6,50
